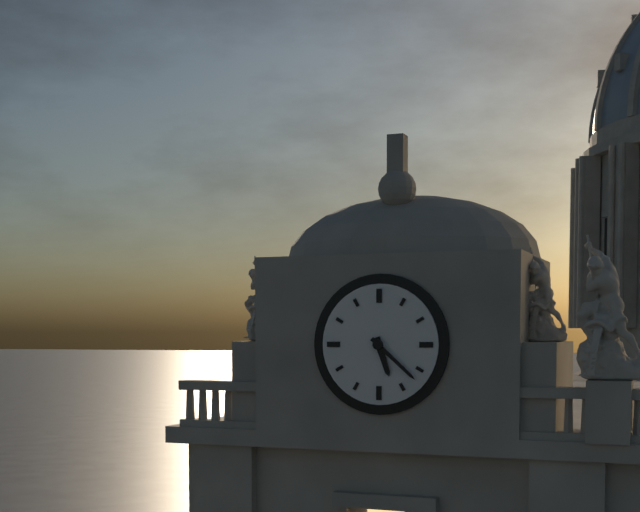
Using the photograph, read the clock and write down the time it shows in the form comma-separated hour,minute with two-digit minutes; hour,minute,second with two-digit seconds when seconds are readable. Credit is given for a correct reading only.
5,22
